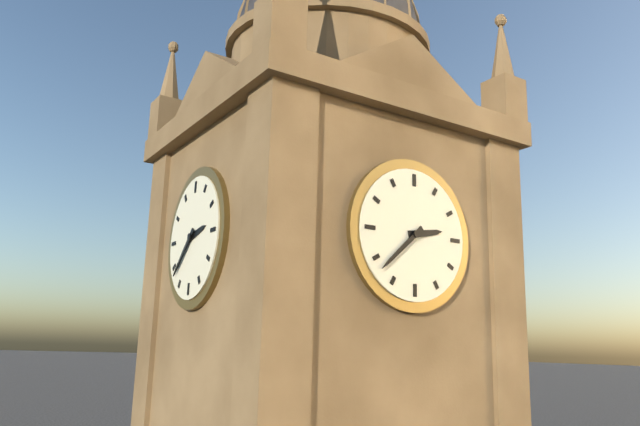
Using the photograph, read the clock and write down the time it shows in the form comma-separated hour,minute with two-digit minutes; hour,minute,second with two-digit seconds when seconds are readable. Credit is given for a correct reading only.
2,38
